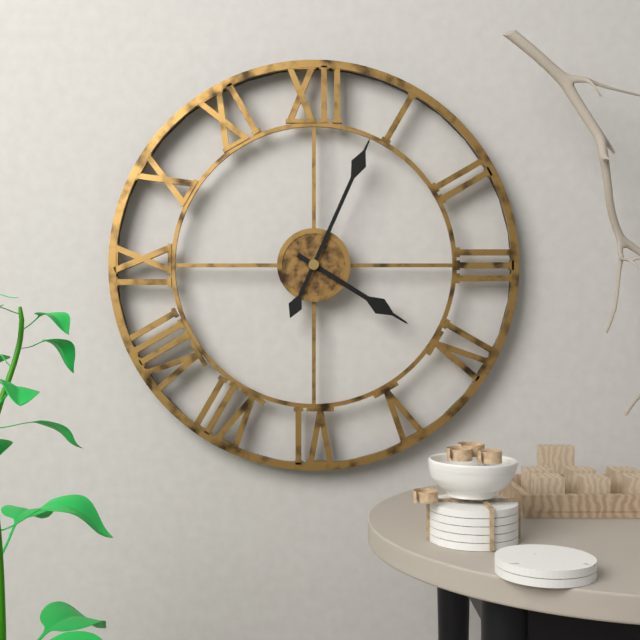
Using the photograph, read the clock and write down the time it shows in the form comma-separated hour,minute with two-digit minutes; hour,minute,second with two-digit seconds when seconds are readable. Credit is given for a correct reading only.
4,04
